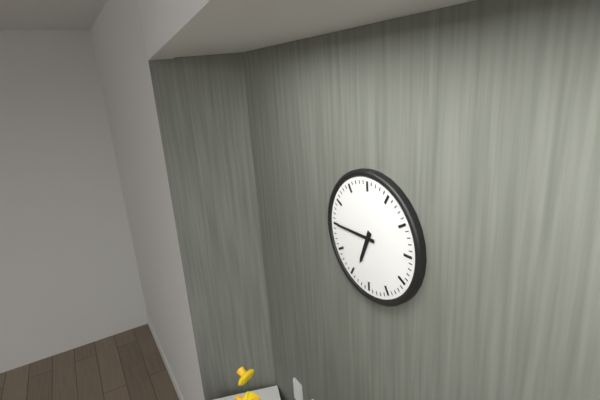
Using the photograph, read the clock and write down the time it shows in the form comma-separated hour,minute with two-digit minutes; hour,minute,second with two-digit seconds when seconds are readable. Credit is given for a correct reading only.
6,45
